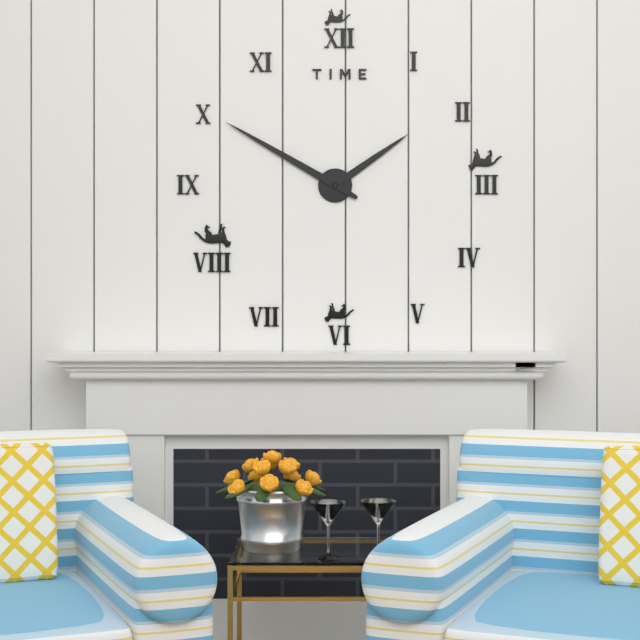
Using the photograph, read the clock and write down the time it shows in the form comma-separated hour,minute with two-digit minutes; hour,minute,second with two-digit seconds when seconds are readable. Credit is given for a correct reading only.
1,50
